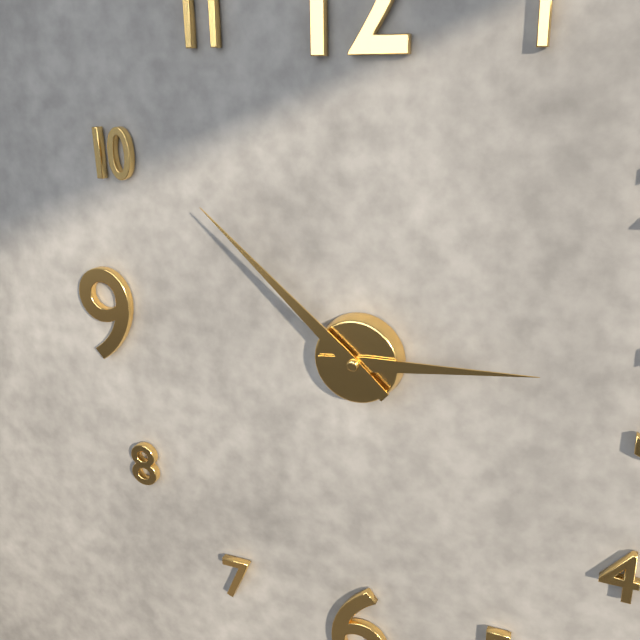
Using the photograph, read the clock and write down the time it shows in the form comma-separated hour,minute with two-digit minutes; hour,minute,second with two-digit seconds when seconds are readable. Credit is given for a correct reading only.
2,52
